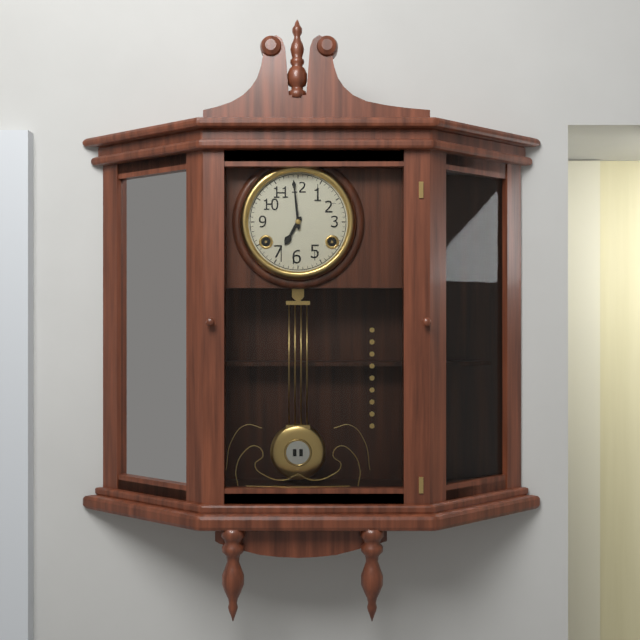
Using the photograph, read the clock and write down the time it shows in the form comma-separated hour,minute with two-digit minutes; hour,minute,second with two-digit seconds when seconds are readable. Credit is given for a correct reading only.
6,59
